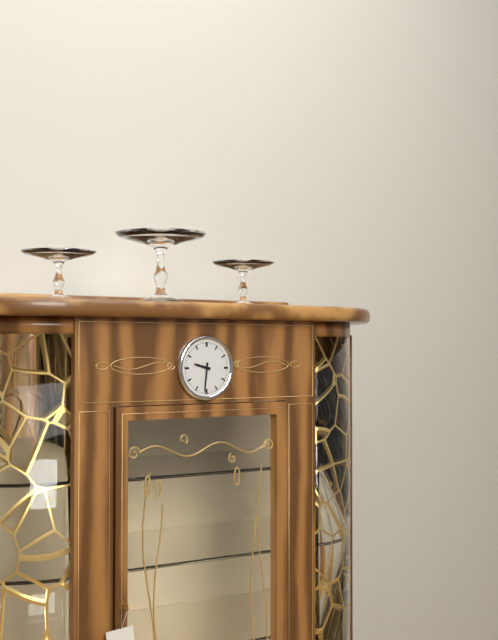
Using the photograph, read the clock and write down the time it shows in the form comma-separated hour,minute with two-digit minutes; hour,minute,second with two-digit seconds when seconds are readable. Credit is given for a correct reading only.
9,31
